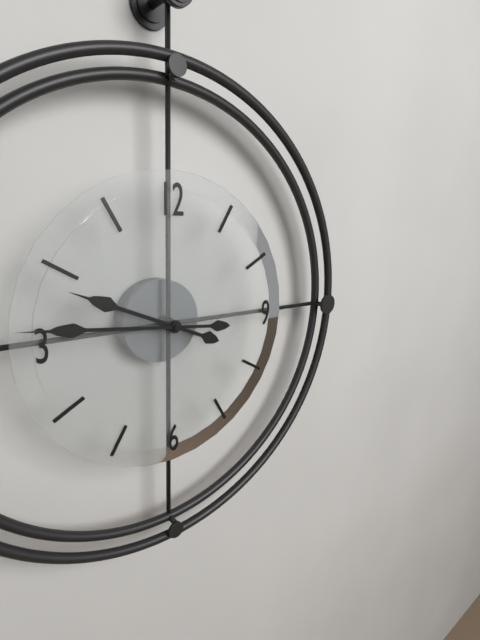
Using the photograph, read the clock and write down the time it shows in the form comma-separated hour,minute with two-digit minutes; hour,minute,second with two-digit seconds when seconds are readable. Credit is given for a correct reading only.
9,46
